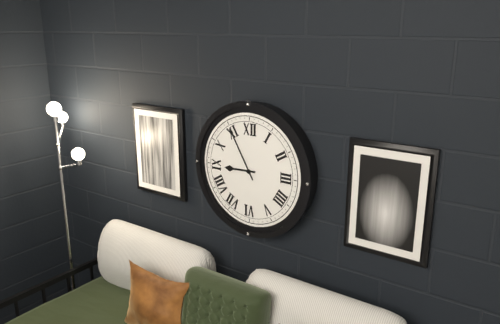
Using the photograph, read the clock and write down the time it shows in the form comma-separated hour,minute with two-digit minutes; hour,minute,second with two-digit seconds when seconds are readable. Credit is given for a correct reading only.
8,55
